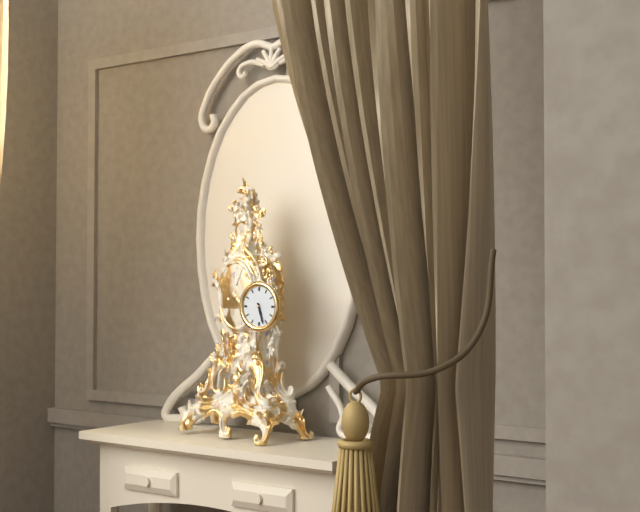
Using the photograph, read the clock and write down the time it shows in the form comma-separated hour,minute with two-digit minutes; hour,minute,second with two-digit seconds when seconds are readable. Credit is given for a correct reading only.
5,27
